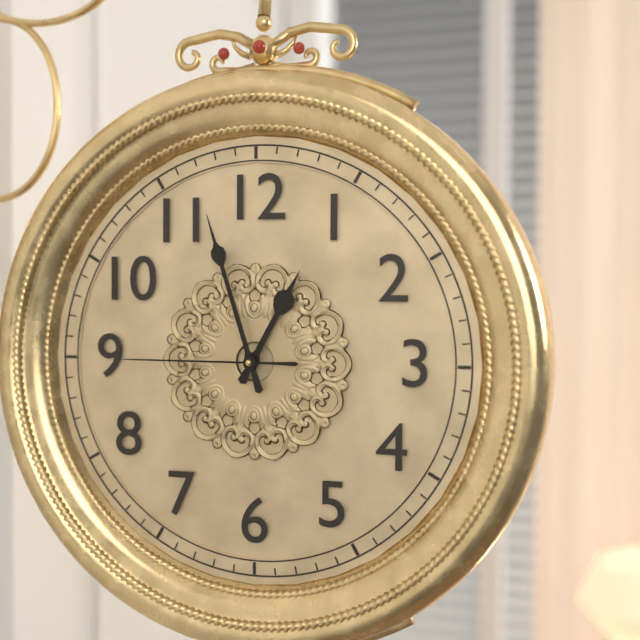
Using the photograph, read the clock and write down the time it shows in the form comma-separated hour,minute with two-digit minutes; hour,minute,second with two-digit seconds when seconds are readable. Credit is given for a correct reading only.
12,57,45
